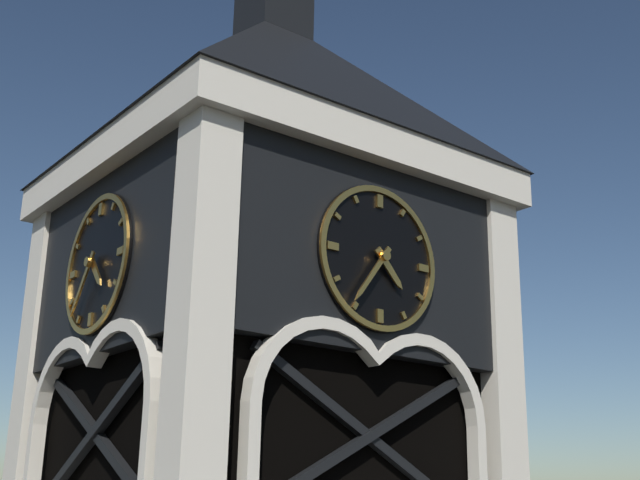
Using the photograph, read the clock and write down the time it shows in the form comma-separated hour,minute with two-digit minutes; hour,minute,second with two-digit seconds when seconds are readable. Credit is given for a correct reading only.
4,36
